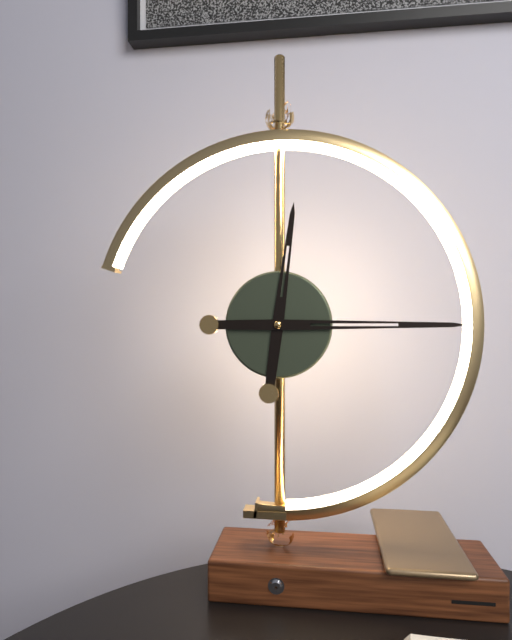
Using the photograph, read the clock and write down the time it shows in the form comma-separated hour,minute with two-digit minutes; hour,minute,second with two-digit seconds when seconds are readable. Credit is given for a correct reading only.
12,15
